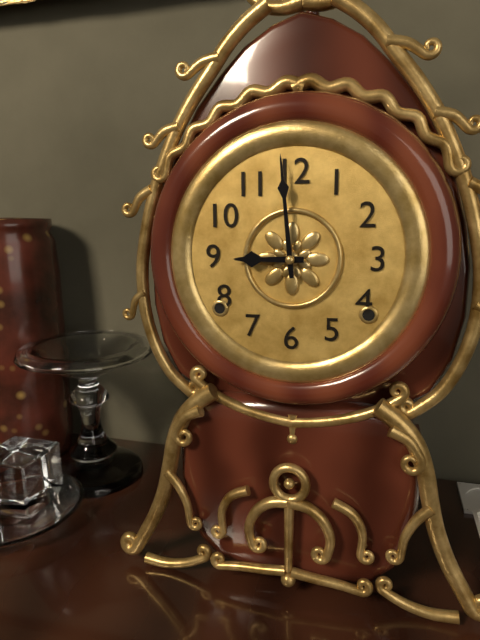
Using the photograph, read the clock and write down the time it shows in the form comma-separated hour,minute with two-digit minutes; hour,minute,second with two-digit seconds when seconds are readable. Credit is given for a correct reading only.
8,59
